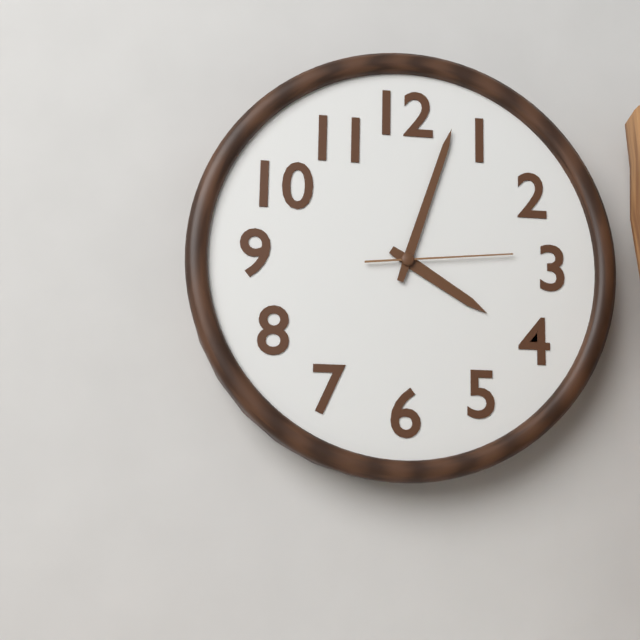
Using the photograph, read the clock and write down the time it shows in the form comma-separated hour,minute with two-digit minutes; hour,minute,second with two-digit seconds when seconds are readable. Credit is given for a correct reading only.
4,03,14
